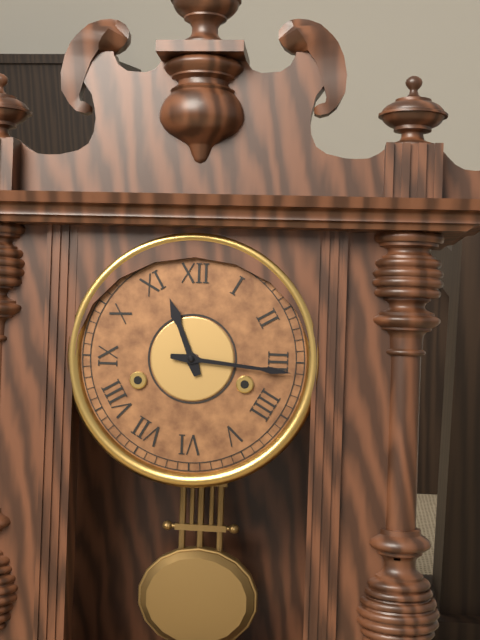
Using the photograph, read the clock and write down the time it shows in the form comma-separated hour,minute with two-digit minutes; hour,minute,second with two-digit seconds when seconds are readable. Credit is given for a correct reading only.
11,16
